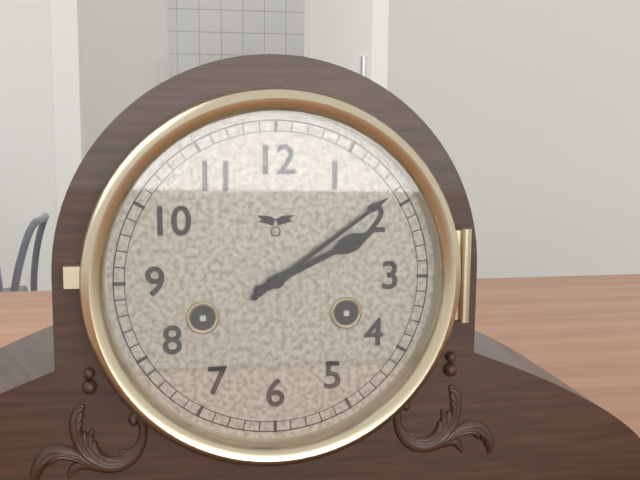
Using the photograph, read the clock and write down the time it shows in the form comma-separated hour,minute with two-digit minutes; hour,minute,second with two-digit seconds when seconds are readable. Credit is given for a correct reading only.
2,09
